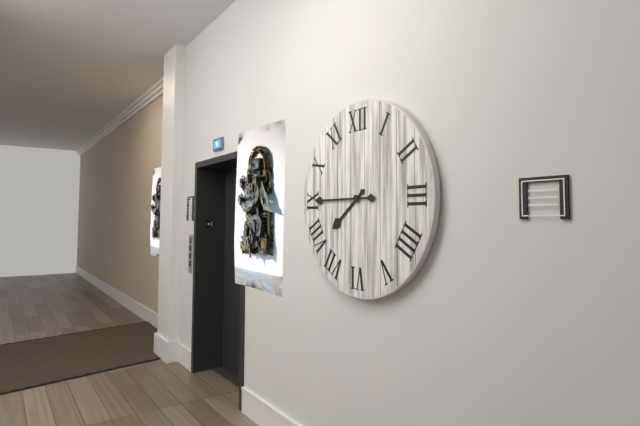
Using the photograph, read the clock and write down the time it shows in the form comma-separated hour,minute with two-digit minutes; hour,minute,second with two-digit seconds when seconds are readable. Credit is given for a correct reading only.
7,45
